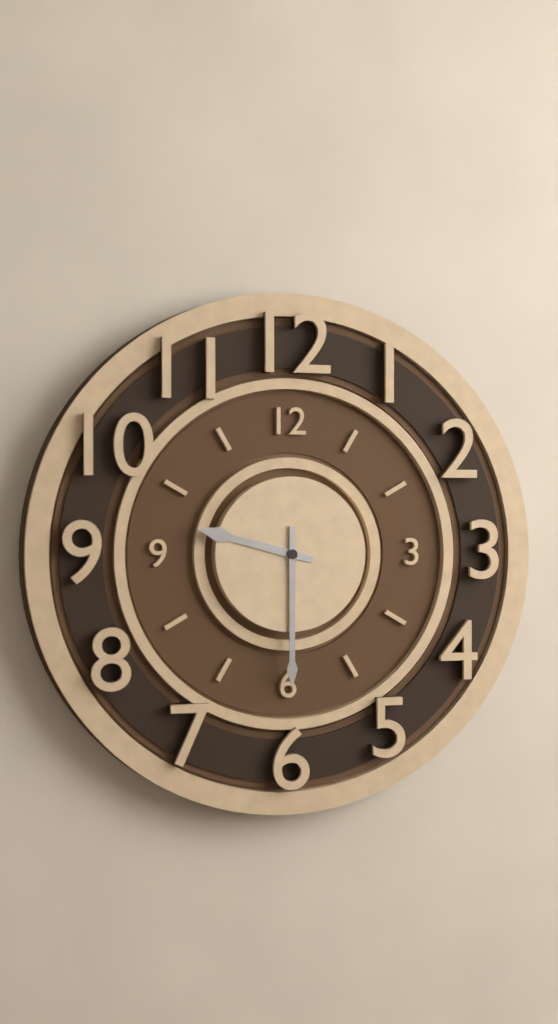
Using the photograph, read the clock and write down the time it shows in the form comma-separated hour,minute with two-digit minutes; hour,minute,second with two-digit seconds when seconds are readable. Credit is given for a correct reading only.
9,30
